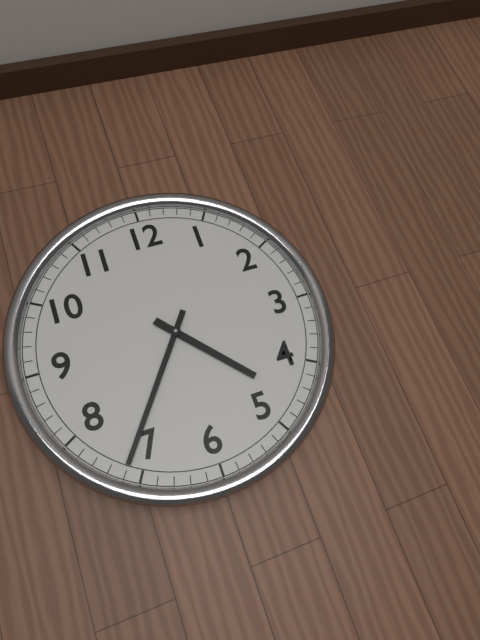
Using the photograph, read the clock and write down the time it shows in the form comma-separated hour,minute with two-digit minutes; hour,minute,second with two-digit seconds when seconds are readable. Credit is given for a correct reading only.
4,36
